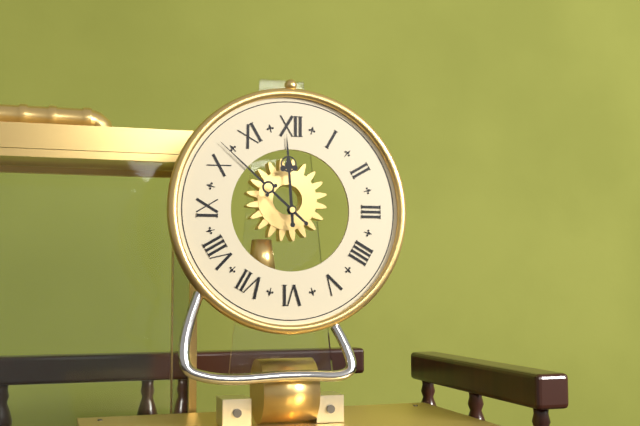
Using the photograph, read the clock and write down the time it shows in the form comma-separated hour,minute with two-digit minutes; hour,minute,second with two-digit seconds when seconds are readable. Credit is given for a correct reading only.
11,52
